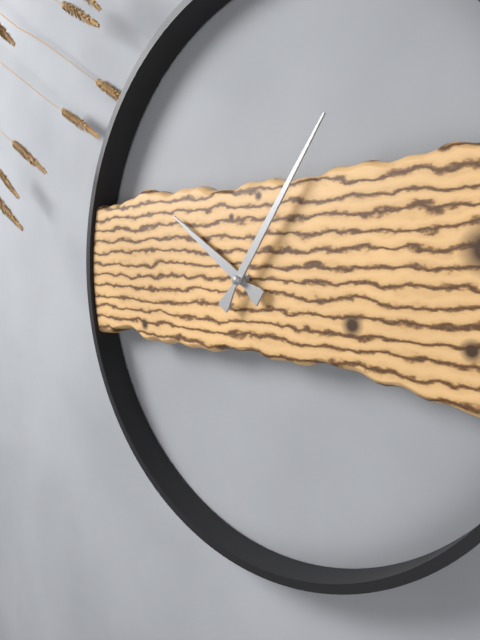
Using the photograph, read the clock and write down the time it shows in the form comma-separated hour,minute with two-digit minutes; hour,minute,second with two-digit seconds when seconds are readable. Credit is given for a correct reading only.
10,06
